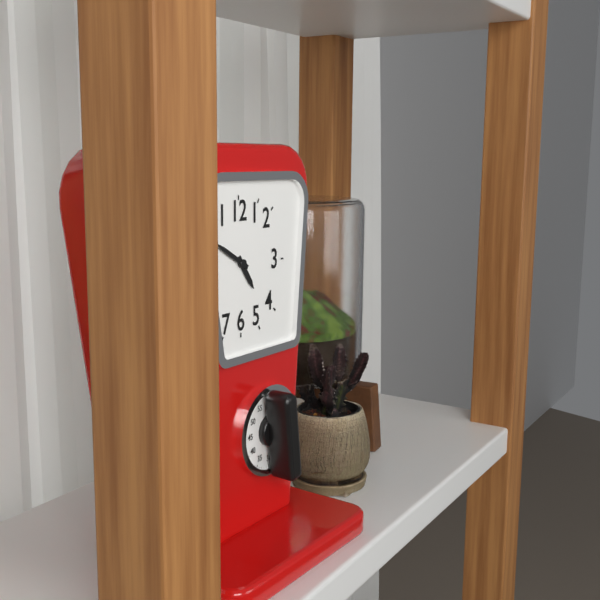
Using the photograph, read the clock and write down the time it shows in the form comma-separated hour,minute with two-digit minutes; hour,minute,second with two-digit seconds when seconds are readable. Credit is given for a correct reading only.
4,50
